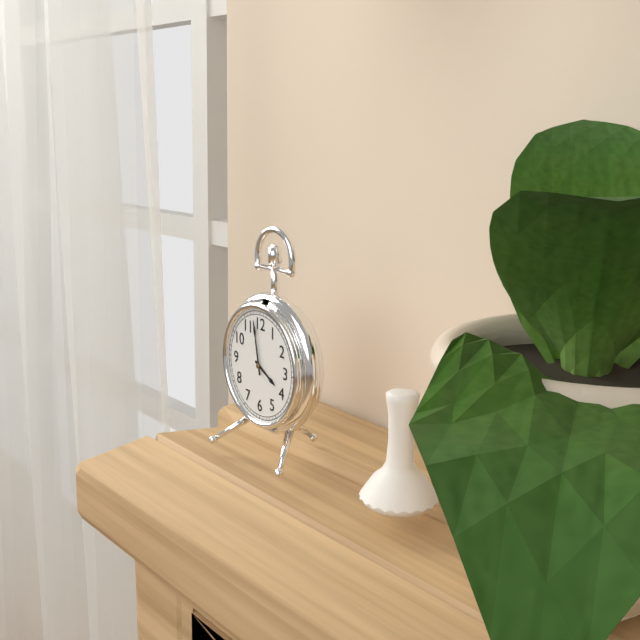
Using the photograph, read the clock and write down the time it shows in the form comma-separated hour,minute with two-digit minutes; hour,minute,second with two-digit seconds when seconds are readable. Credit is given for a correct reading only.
3,58
